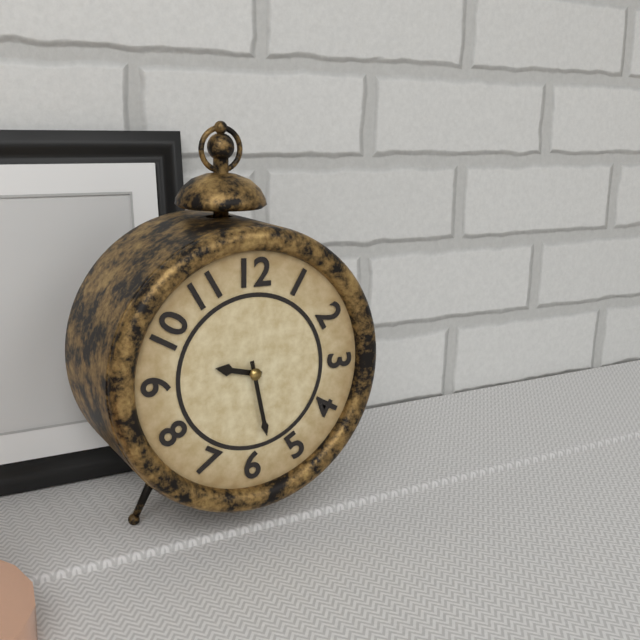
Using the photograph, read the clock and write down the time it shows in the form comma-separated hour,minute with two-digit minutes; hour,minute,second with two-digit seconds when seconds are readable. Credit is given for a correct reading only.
9,28
